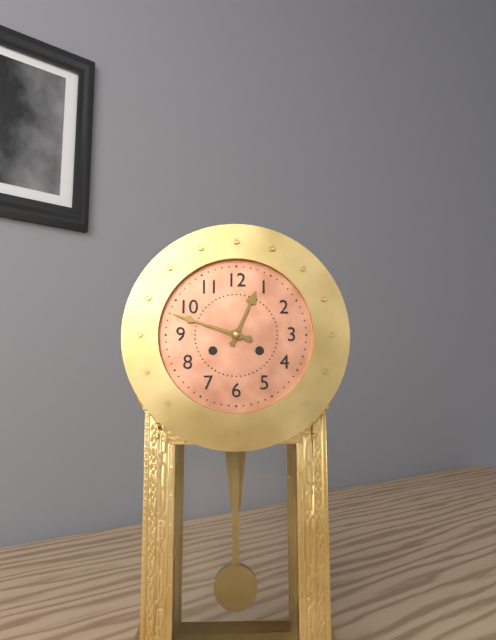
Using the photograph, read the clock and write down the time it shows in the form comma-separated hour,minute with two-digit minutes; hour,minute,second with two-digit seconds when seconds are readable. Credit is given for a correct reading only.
12,48
